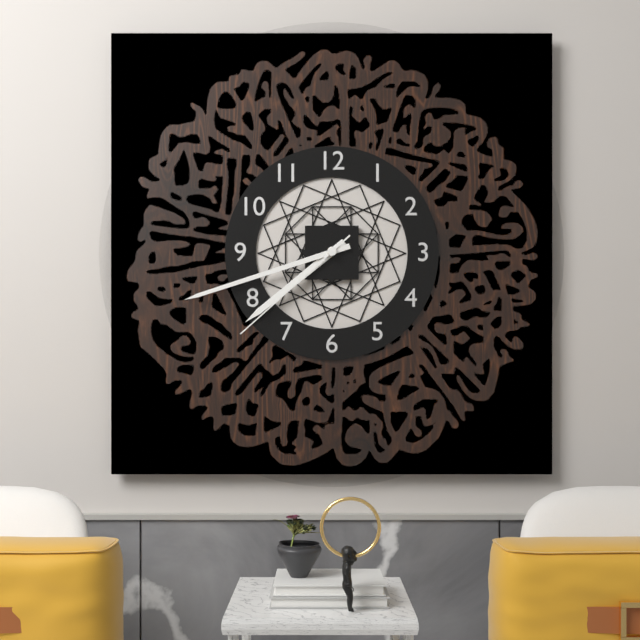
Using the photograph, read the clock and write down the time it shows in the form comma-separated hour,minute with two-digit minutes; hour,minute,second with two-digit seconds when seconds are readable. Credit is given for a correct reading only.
7,42,38
